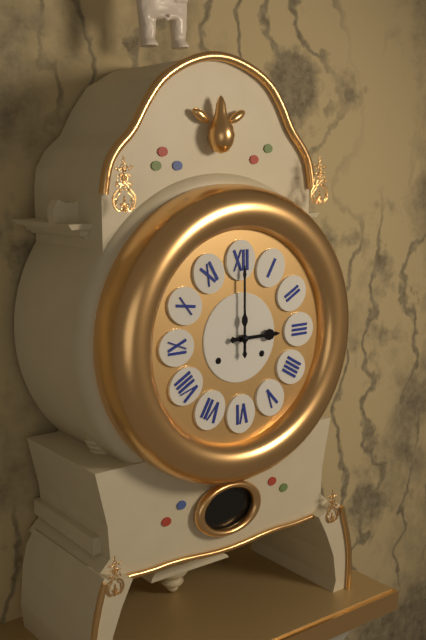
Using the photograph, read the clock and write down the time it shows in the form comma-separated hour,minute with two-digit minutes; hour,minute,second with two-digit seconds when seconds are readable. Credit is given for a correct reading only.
3,00
